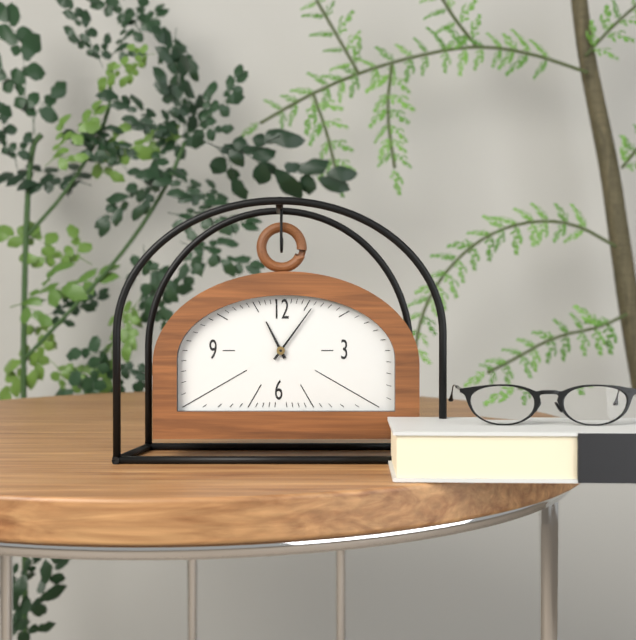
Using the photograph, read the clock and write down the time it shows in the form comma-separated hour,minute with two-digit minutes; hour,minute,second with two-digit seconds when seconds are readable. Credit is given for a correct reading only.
11,06
